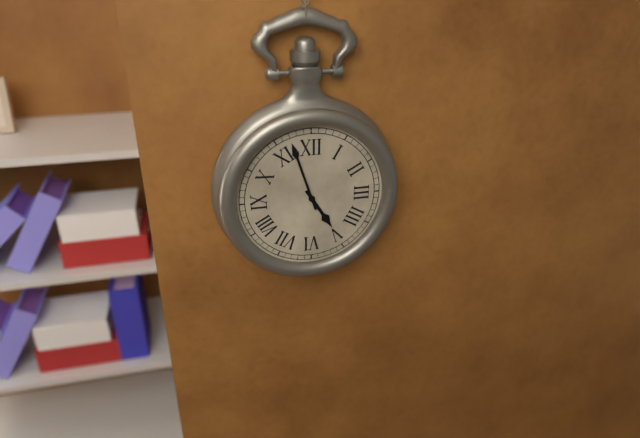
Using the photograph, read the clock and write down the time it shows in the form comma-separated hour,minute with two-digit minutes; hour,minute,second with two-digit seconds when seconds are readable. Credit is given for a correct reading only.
4,57
